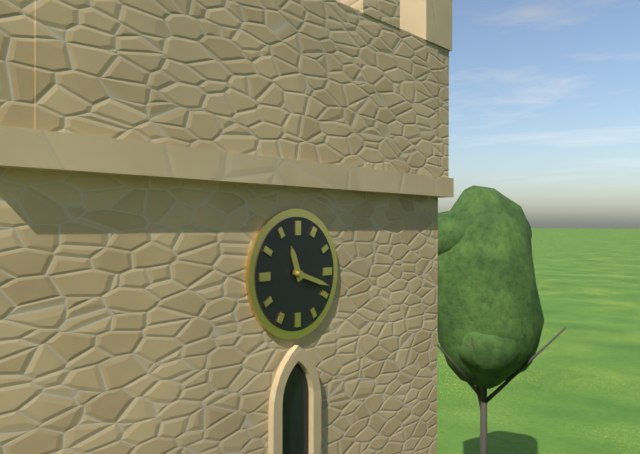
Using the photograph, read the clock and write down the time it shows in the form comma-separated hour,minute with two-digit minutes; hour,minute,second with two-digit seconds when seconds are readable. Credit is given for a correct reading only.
11,18
